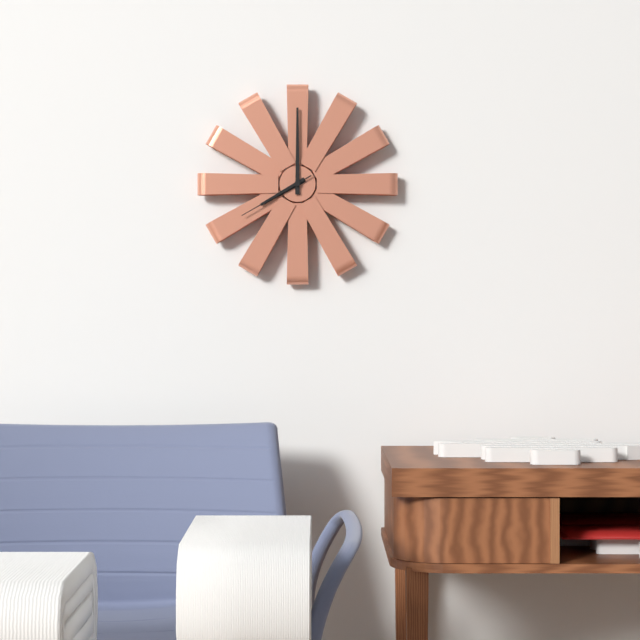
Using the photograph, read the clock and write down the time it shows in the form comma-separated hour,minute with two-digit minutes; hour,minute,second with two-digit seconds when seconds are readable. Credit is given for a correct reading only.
8,00,40
